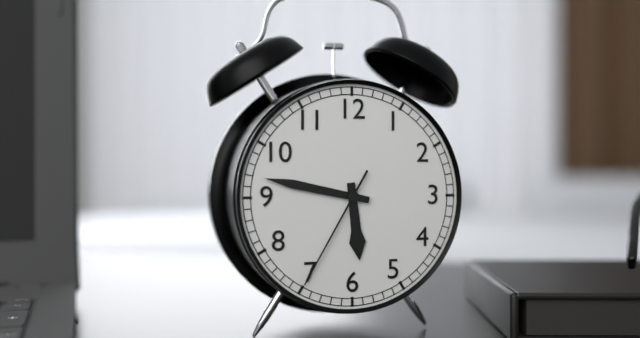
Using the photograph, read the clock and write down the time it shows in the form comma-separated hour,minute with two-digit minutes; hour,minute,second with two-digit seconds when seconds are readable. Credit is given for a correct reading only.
5,47,35
